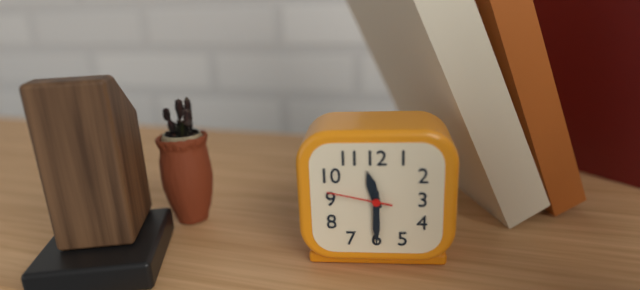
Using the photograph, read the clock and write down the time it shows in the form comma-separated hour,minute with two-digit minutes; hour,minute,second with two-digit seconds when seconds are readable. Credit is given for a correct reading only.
11,30,47
